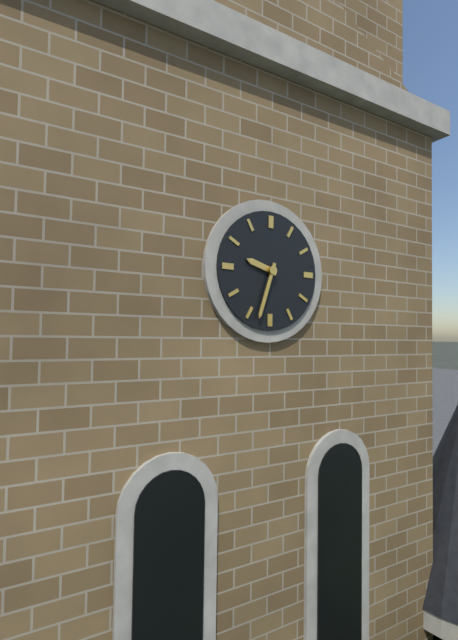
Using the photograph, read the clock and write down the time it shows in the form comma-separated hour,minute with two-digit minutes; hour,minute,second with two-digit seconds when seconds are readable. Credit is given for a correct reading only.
9,33
